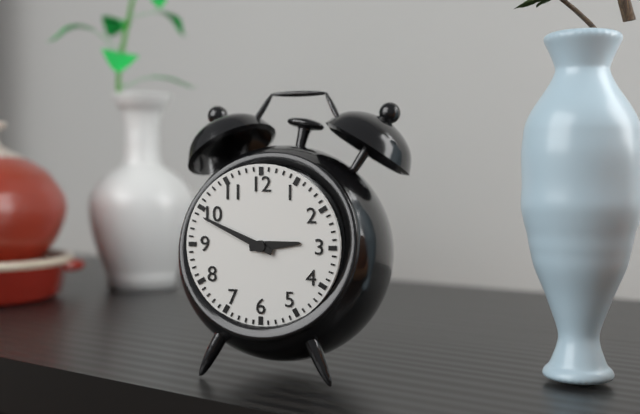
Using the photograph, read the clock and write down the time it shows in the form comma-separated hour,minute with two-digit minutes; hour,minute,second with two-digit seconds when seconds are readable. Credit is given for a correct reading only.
2,49
